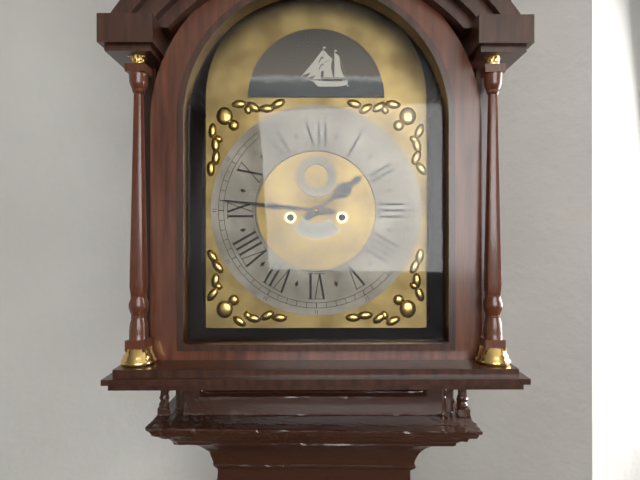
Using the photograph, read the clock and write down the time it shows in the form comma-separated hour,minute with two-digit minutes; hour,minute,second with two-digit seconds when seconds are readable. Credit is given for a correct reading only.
1,46
